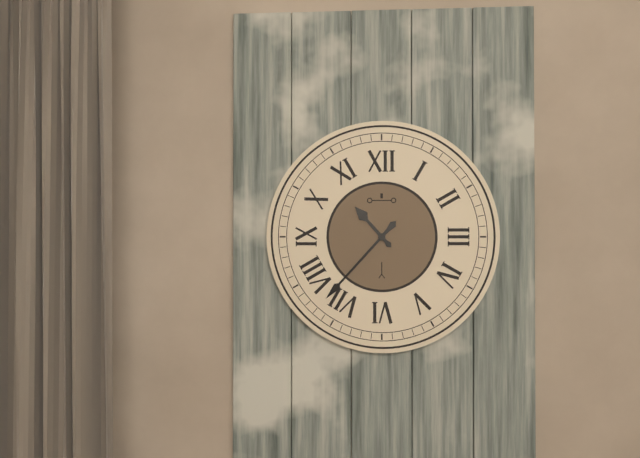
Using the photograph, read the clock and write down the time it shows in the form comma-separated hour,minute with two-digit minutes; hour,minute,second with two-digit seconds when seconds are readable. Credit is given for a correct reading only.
10,37
